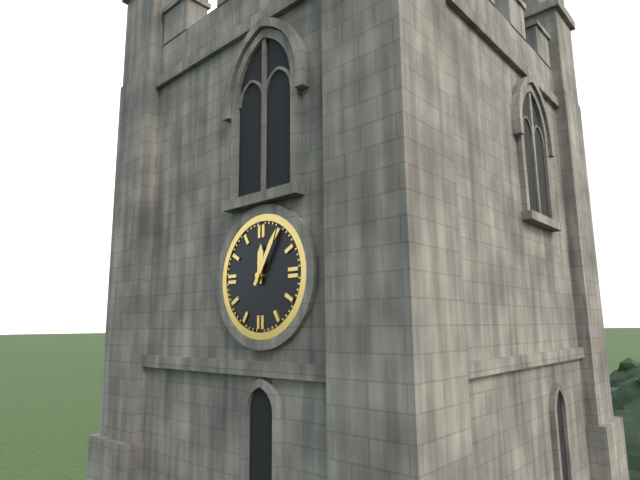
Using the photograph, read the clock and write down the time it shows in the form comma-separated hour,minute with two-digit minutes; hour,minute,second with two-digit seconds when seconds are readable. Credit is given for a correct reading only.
12,05
